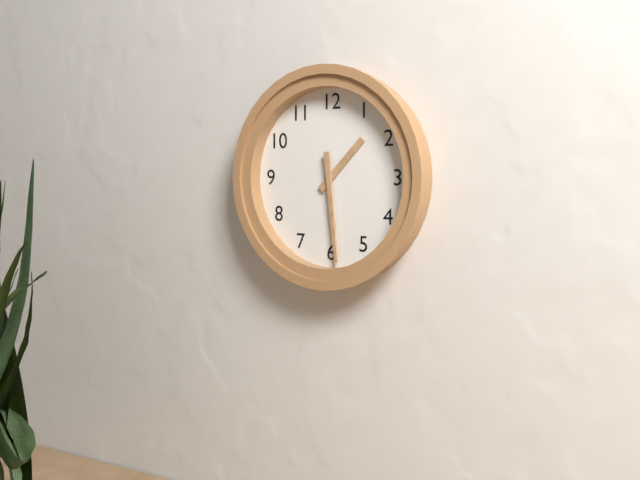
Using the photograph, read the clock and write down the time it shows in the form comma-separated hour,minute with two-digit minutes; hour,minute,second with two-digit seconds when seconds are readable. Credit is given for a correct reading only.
1,29
